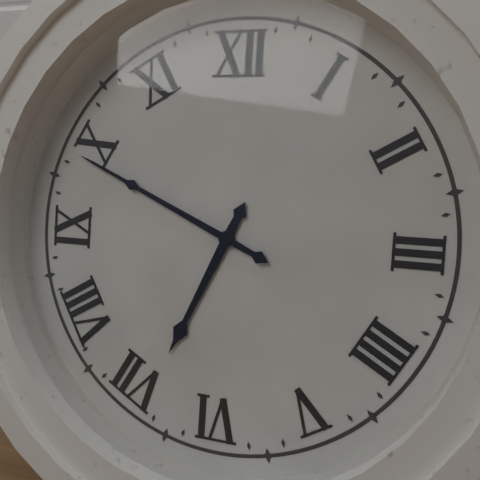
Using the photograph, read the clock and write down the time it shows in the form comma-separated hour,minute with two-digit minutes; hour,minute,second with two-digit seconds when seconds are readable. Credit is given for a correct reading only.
6,49
